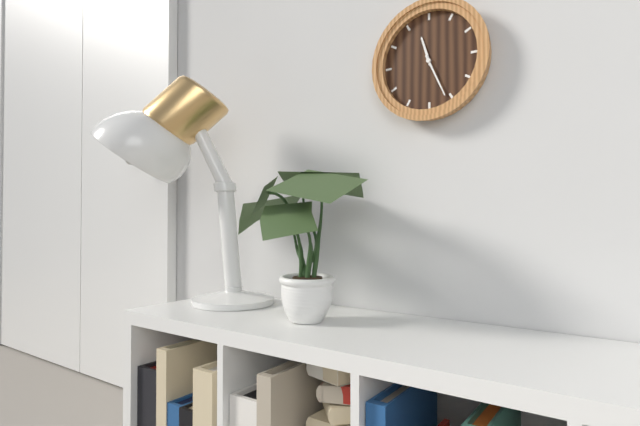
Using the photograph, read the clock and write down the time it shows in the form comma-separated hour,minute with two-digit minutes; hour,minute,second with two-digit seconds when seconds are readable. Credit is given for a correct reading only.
11,26
